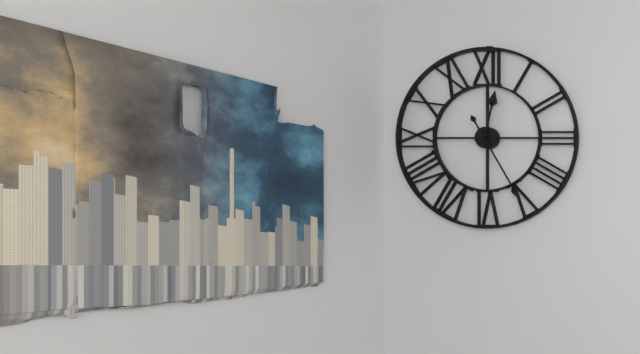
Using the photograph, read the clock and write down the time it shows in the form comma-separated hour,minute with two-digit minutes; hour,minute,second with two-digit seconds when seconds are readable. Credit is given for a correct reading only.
12,25
